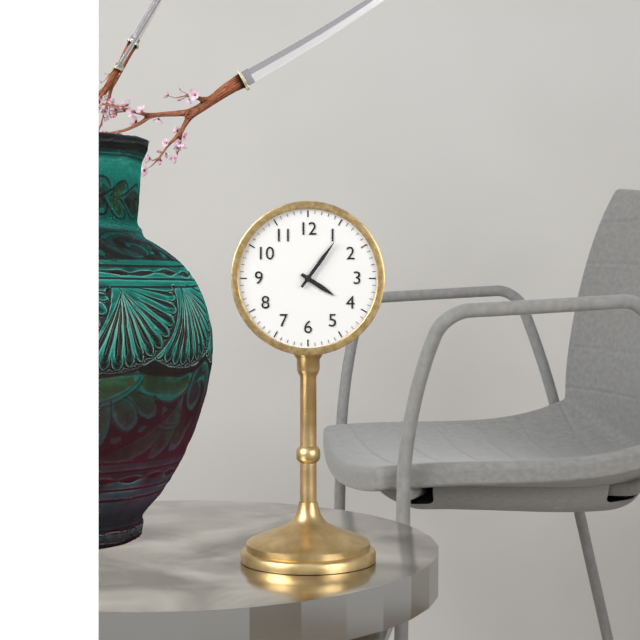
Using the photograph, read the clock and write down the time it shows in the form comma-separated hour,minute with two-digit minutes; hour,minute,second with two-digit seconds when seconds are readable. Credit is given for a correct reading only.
4,06
